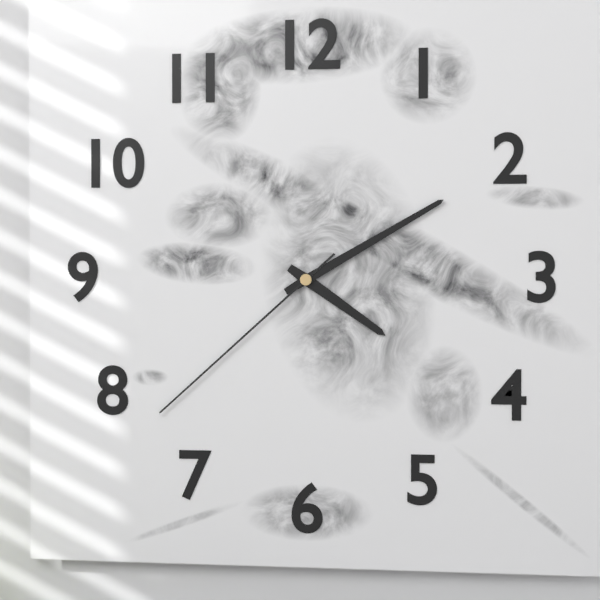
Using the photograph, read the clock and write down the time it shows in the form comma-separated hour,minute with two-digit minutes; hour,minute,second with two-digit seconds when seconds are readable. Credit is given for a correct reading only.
4,10,38
